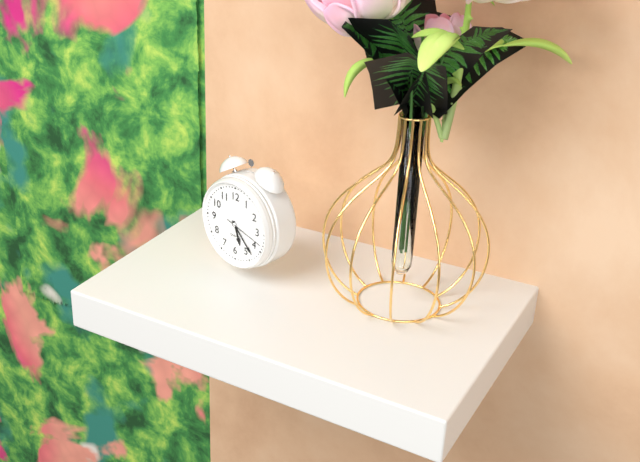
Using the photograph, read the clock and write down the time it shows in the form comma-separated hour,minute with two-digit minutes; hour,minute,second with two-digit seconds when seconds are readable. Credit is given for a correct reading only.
5,23
